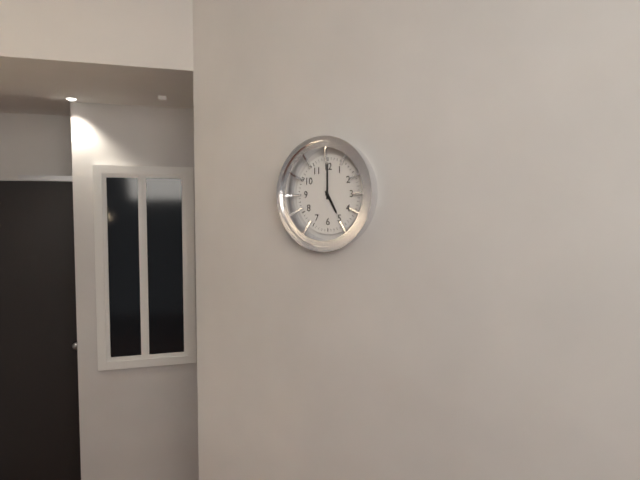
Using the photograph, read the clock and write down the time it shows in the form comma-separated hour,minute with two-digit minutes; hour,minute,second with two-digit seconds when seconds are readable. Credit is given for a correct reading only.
5,00
